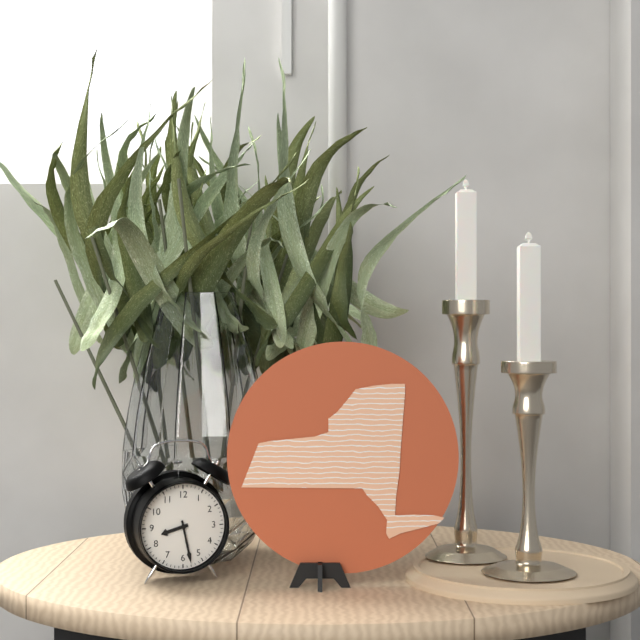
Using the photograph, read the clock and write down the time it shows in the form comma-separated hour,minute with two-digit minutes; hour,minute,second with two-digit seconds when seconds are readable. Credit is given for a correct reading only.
8,28
